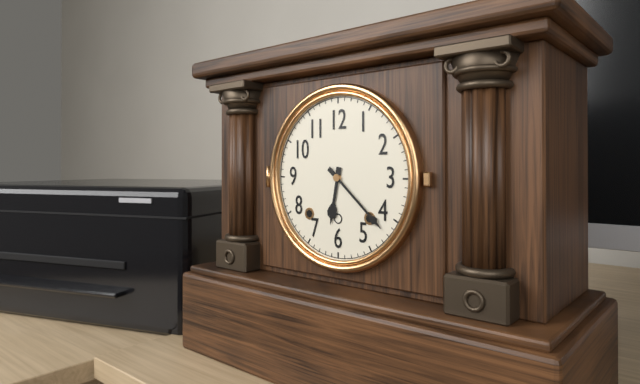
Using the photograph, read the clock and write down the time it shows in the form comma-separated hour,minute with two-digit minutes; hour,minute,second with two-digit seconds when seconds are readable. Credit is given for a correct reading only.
6,22
